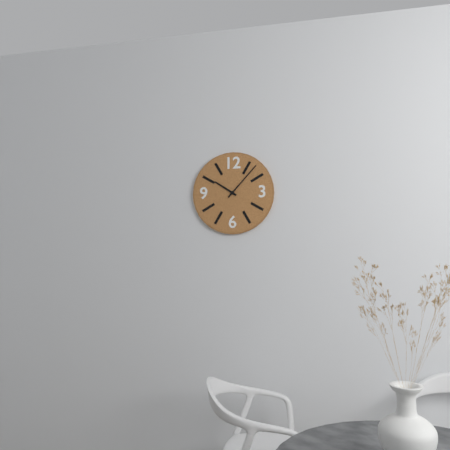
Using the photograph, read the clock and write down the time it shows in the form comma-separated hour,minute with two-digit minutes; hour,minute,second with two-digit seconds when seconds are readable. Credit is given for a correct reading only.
10,07
